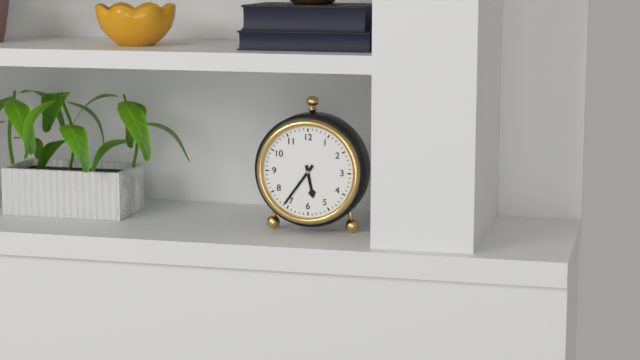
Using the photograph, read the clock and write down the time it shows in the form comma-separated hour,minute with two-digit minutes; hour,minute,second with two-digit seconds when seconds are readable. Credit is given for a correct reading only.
5,36
